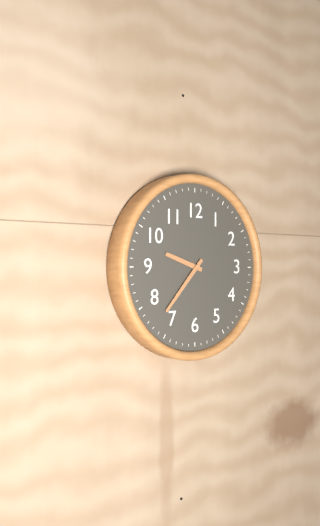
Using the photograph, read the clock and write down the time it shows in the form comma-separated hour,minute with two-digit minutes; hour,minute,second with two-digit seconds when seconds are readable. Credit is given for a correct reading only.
9,37
